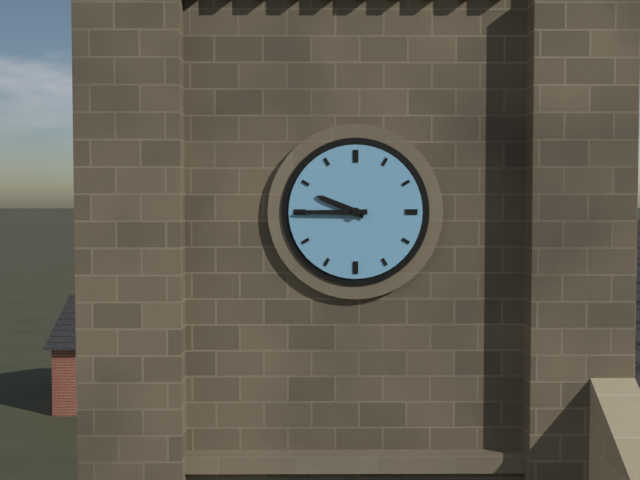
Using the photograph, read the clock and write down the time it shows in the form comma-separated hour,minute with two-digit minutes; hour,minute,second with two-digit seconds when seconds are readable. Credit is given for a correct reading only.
9,45
